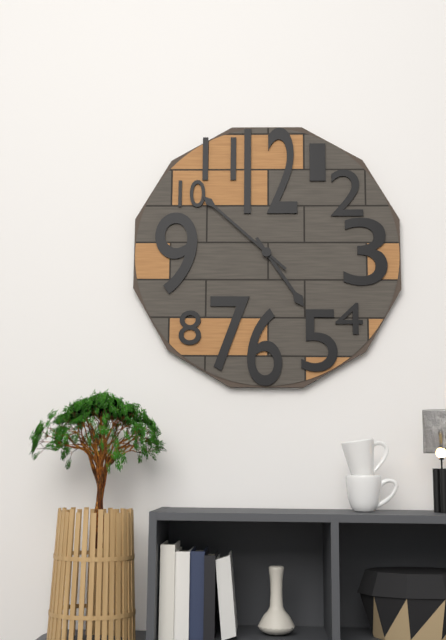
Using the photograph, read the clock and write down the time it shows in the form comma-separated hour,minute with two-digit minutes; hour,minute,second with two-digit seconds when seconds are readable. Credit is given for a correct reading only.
4,52
